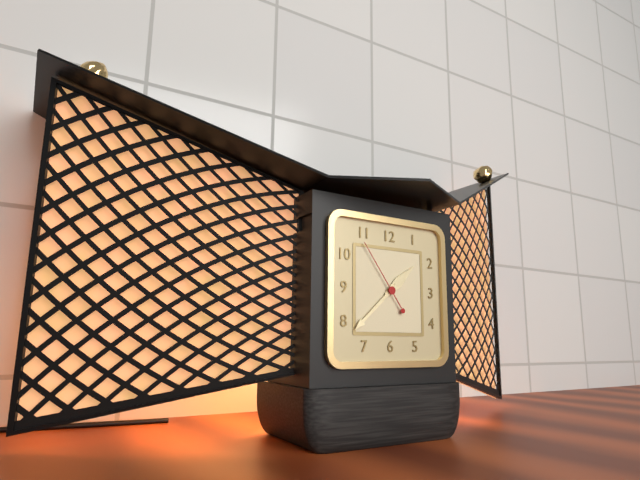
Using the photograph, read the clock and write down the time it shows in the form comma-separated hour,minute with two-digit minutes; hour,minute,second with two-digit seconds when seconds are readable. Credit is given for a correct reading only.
1,38,54
